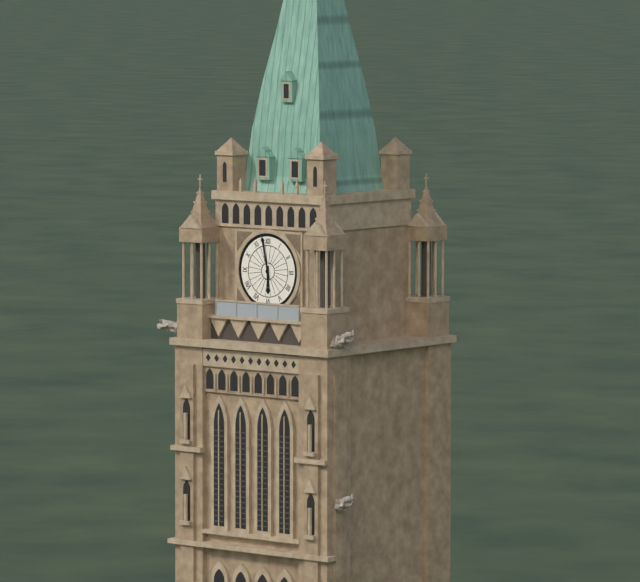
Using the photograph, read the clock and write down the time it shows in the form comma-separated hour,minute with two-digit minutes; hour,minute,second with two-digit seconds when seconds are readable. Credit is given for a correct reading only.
5,58
